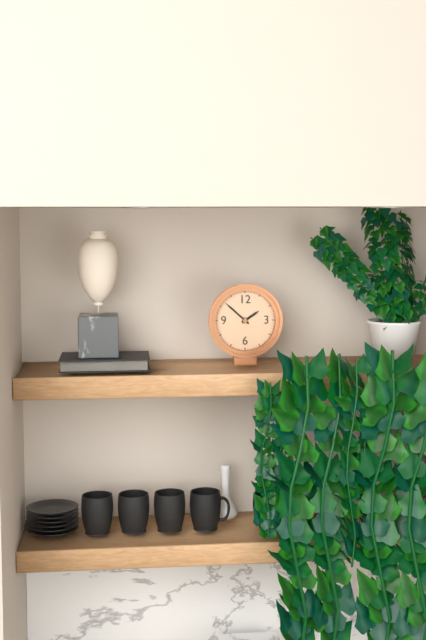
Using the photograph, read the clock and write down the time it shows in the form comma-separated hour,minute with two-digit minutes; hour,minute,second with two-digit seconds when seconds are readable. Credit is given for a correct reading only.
1,52
